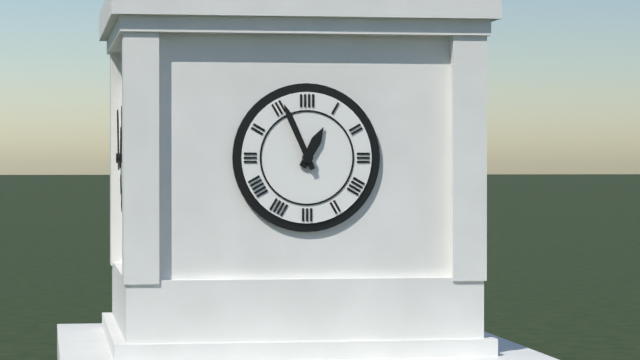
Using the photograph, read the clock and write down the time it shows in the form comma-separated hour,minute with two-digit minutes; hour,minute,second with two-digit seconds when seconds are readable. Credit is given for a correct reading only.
12,56
